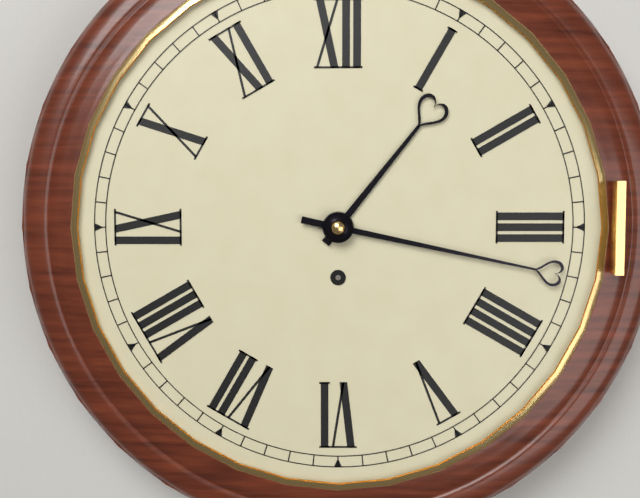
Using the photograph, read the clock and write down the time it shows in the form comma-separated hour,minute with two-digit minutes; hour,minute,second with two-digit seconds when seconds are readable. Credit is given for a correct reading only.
1,17
